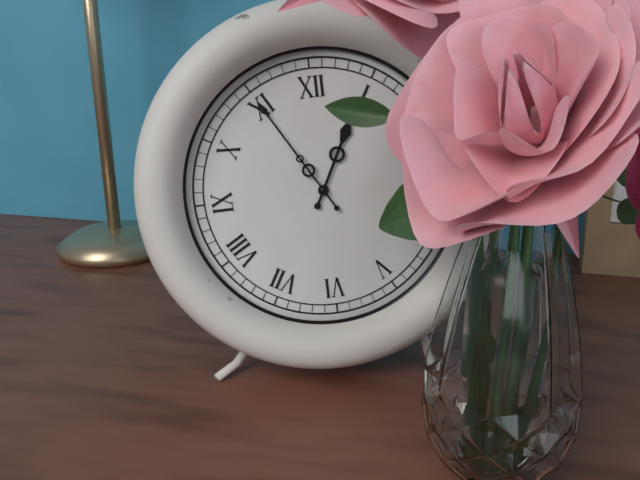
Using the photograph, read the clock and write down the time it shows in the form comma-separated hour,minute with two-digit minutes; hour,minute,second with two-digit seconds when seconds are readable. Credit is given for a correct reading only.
12,55
